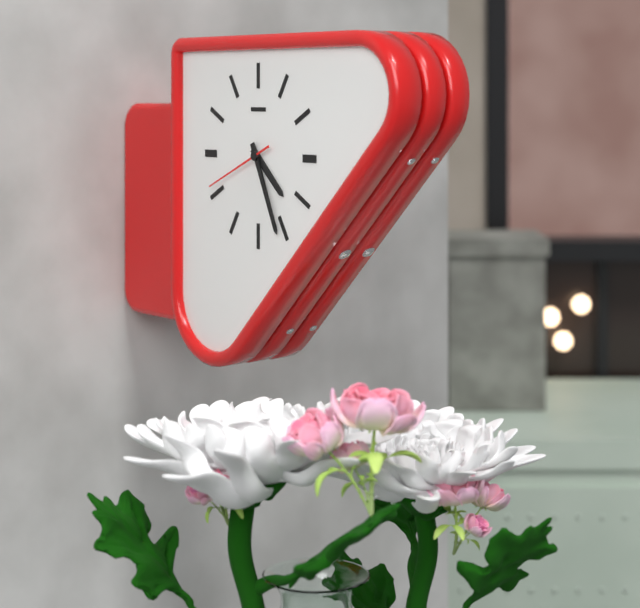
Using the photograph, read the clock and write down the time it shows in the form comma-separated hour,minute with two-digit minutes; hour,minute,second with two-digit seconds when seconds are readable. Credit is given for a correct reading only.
4,26,41
